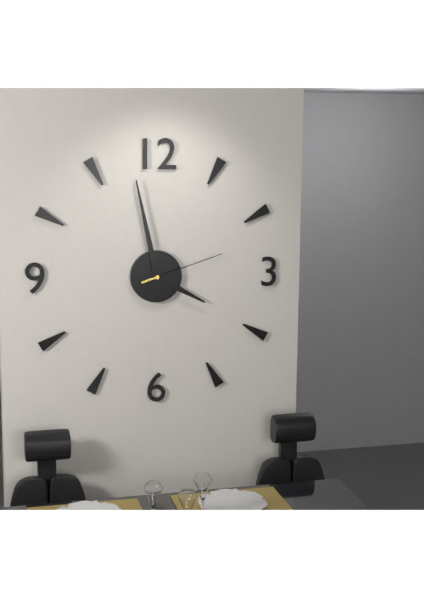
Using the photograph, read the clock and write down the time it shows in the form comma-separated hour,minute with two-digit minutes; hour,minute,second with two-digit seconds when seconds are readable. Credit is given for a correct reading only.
3,58,12
